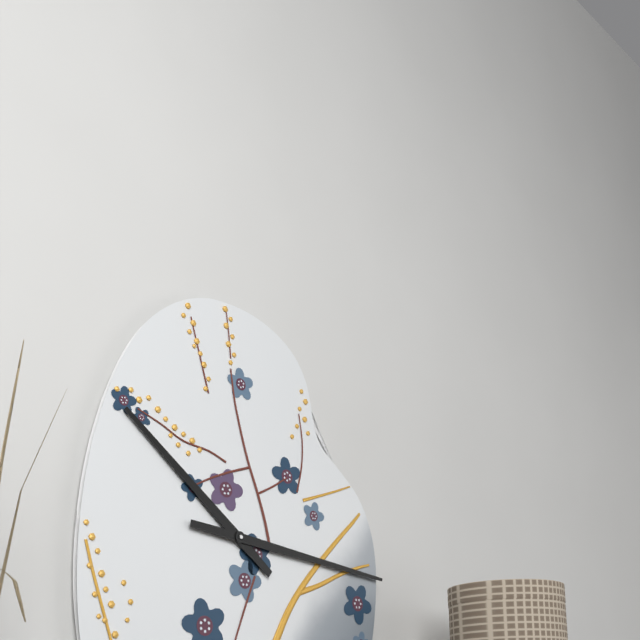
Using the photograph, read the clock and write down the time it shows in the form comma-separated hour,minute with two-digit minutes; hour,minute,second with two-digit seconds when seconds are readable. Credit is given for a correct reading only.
10,16
